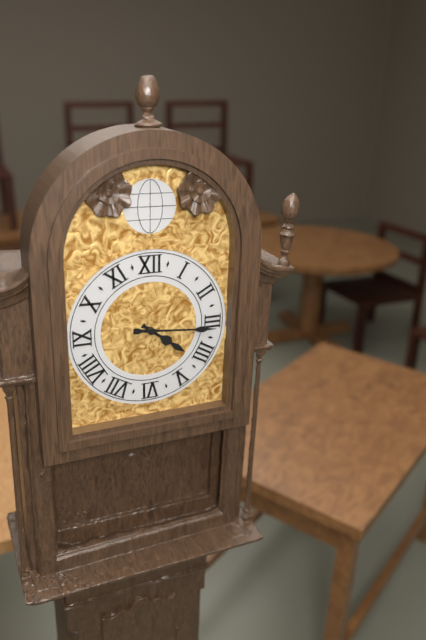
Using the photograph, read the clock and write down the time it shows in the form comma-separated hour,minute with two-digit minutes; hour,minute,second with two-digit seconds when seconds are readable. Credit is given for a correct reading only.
4,16
